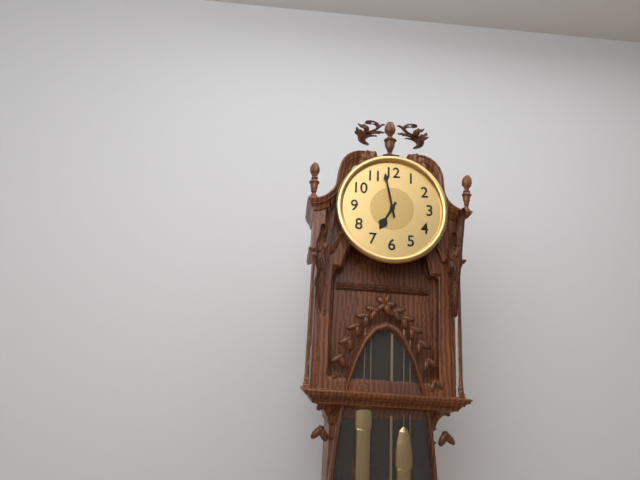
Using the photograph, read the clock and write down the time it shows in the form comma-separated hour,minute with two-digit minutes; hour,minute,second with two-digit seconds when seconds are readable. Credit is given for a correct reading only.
6,58
